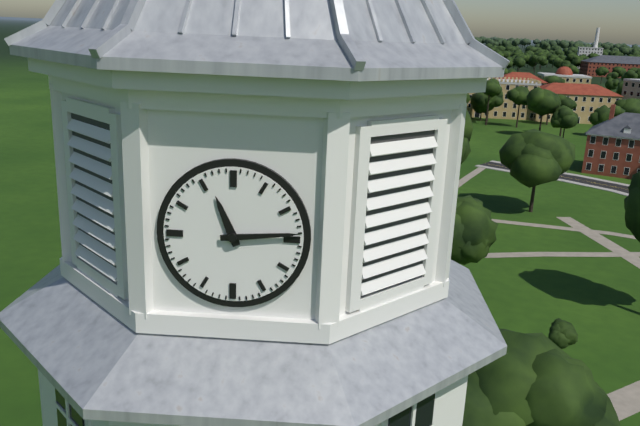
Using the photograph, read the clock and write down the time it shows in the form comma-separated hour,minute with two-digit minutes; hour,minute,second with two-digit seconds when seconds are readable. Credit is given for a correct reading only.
11,14
